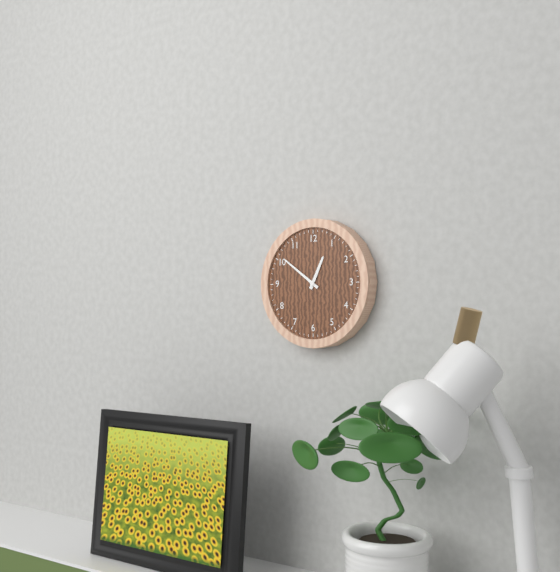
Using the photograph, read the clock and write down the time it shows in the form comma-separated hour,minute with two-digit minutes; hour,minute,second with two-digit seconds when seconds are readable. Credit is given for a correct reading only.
12,51
